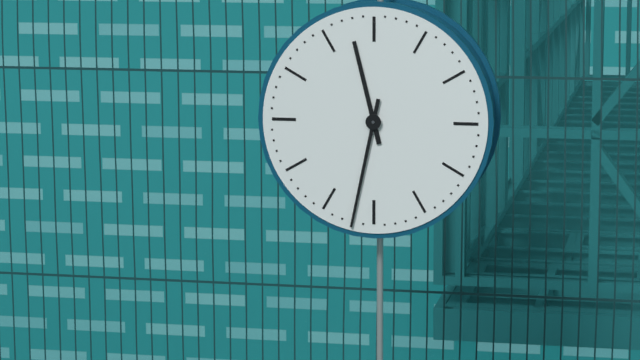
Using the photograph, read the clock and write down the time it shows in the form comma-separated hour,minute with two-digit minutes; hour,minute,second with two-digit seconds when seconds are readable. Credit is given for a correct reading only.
11,32
